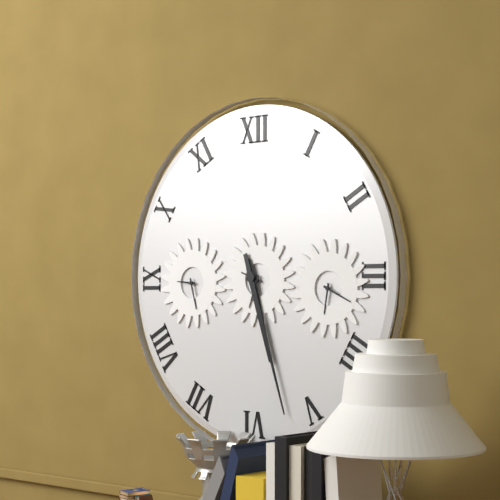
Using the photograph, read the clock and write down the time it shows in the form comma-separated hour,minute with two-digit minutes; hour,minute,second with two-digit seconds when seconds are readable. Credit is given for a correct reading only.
5,27
